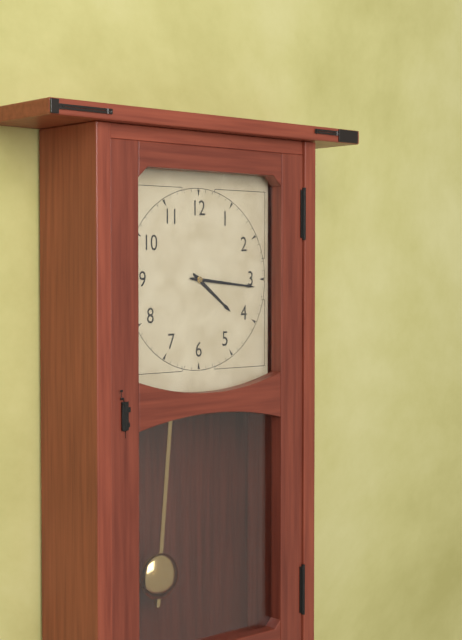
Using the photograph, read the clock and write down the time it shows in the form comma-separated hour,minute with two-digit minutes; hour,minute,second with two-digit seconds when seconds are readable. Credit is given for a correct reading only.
4,16
